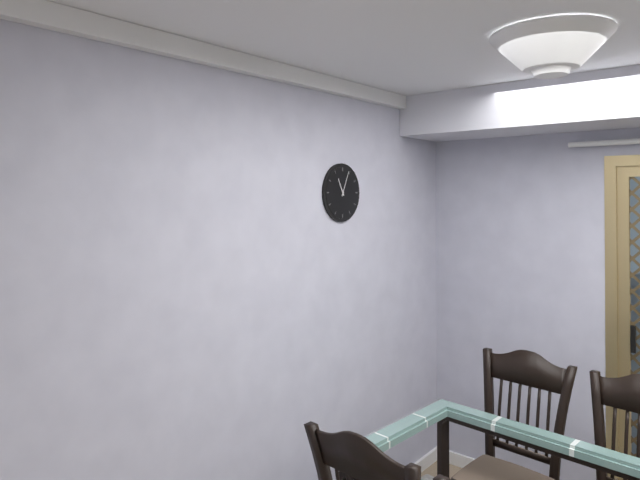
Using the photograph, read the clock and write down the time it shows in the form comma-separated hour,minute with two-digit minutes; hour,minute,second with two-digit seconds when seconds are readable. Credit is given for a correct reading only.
11,04
